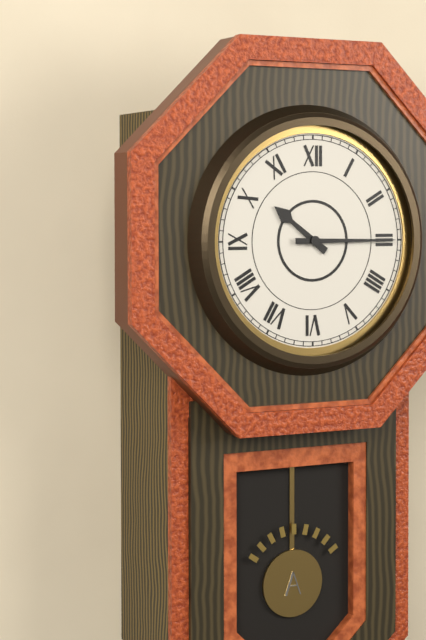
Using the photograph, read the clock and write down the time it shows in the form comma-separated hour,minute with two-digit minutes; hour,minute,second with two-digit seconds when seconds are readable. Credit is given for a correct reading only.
10,15
